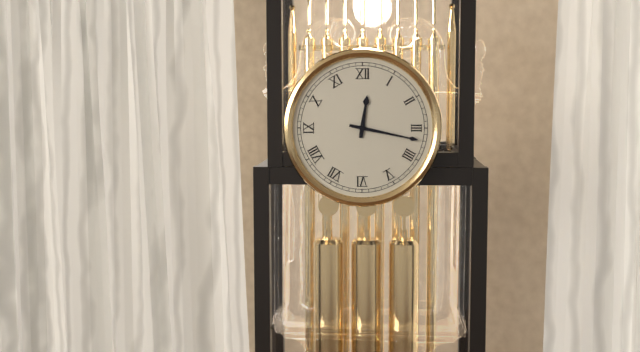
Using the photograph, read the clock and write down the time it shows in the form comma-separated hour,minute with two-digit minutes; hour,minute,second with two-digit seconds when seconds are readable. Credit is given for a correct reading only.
12,17
